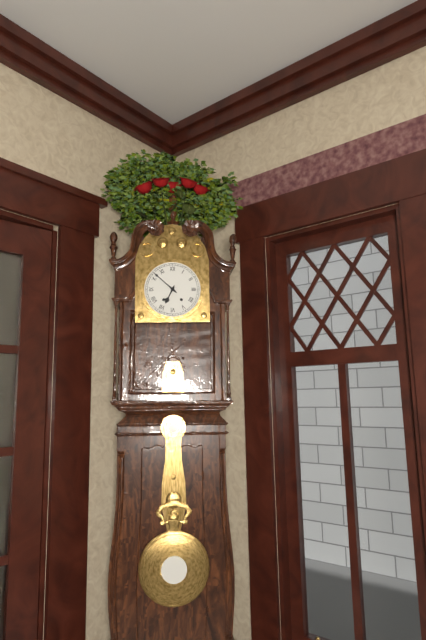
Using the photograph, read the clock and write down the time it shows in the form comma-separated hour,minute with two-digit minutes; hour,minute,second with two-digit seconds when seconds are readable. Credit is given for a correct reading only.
6,52
